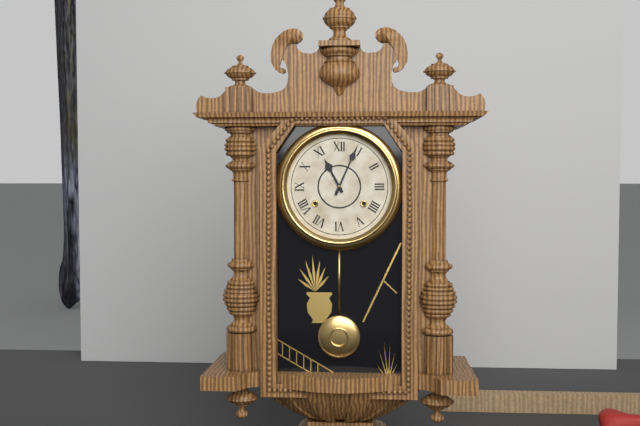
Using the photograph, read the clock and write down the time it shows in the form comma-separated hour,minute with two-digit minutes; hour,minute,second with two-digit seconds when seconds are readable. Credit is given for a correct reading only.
11,04
